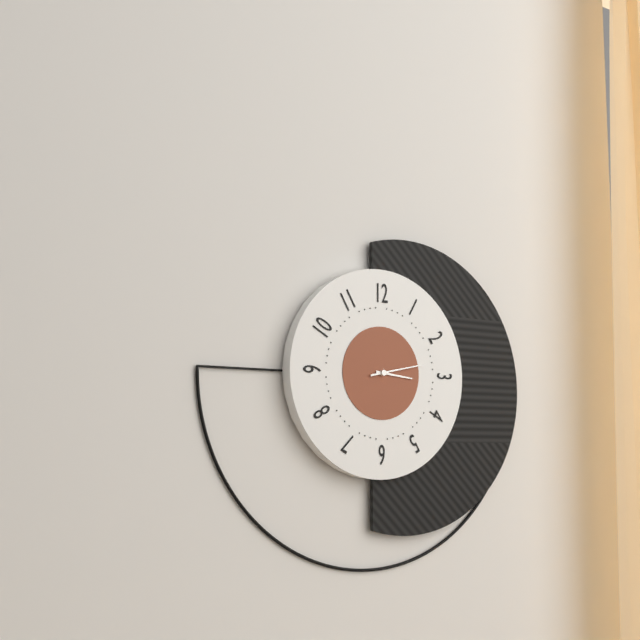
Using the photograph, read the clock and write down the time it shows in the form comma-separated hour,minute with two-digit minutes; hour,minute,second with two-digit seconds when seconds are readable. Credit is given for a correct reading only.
3,13
